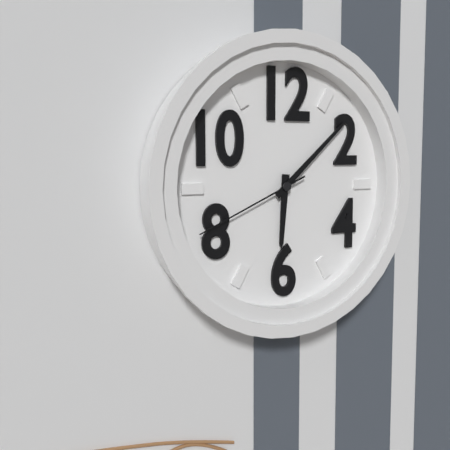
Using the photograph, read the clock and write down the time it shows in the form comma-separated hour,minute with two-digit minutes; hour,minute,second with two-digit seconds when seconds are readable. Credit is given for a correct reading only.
6,08,41
